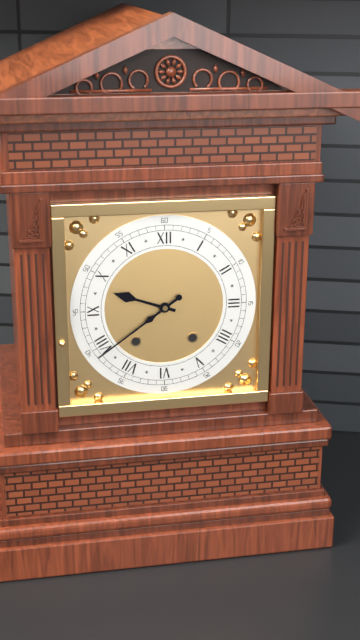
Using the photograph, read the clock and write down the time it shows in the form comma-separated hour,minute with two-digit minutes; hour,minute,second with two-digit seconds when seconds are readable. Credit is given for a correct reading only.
9,39
